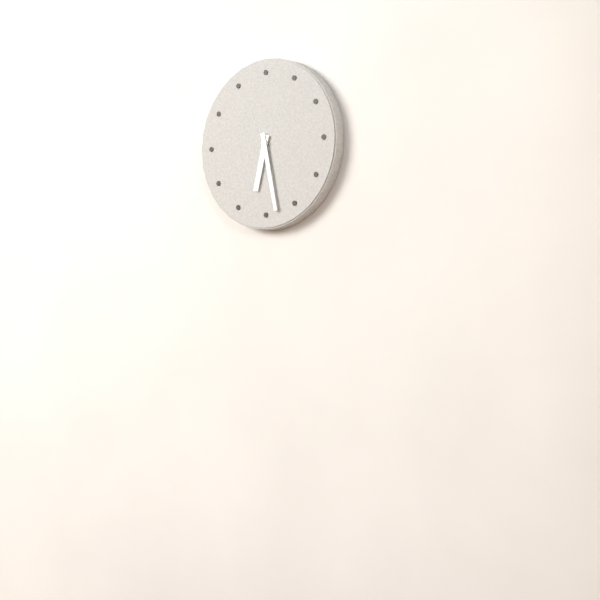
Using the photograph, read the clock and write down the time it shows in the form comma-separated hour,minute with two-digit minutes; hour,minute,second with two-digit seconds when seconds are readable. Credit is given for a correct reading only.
6,28
